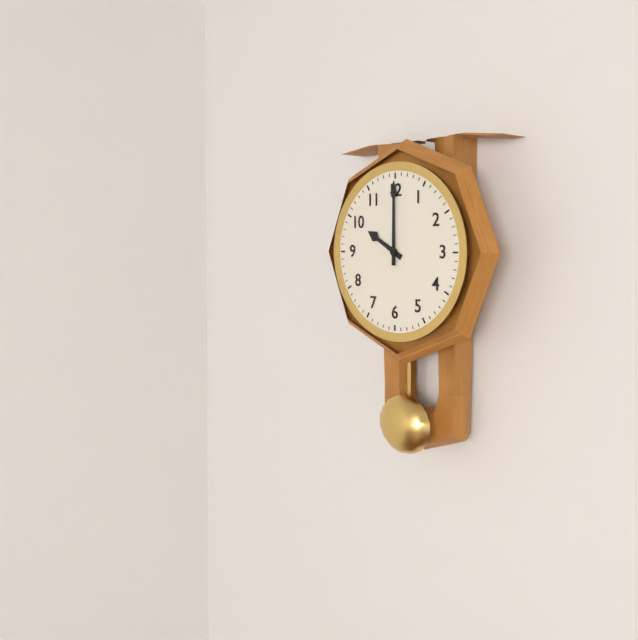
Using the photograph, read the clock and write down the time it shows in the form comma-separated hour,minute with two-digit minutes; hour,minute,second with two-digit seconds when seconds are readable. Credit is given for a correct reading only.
10,00
